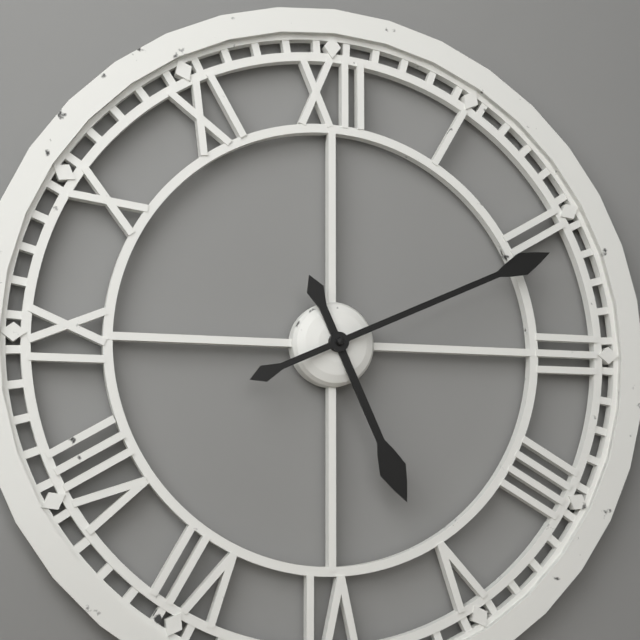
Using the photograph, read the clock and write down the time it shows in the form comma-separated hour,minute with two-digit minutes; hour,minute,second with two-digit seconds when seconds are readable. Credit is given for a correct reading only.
5,11
